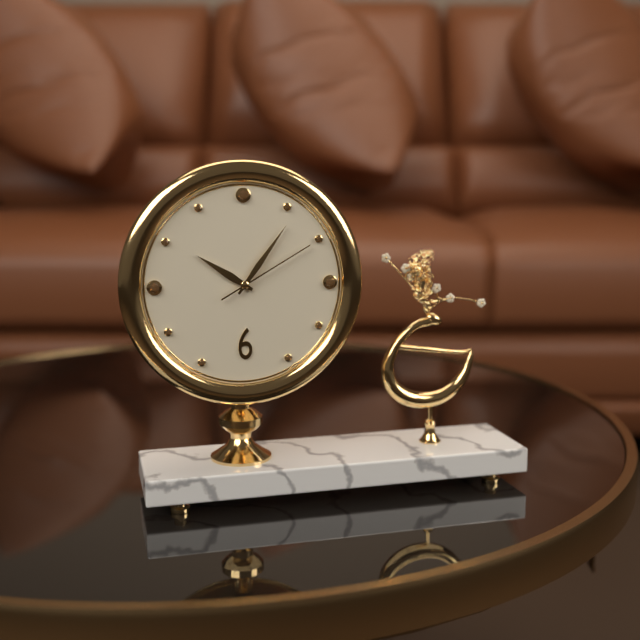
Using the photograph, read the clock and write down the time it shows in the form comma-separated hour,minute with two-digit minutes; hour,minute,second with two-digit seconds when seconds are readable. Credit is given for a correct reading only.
10,06,10
